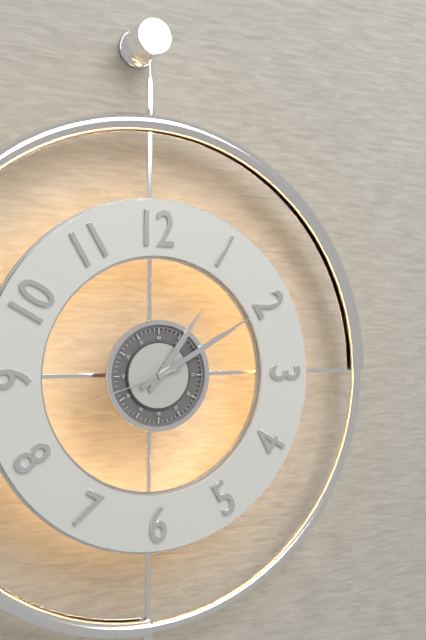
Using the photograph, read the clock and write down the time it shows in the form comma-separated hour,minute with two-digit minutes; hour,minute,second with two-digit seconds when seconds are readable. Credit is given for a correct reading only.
1,10,42
